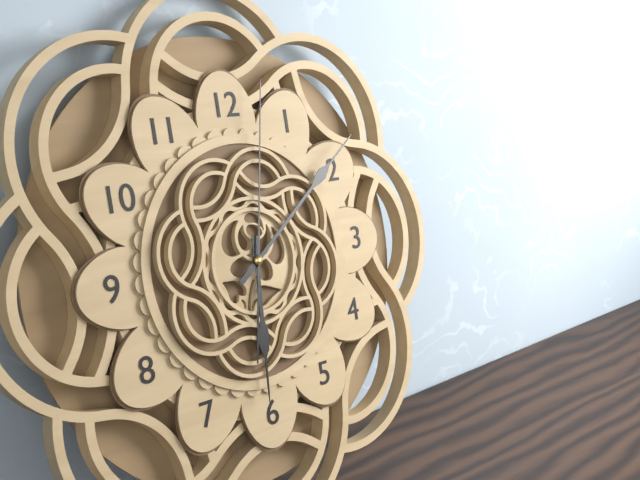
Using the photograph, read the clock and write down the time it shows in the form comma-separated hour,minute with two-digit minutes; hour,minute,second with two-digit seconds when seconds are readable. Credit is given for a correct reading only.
6,09,02
